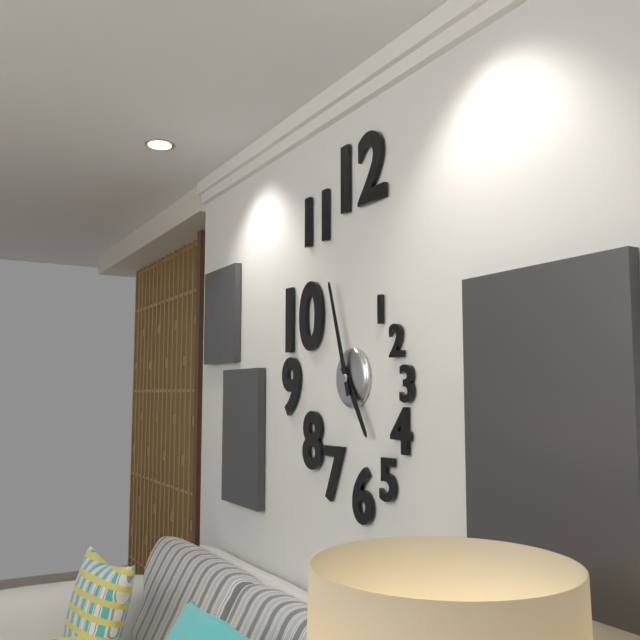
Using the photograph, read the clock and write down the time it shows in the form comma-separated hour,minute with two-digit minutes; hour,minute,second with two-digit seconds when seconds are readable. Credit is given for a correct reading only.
4,57
